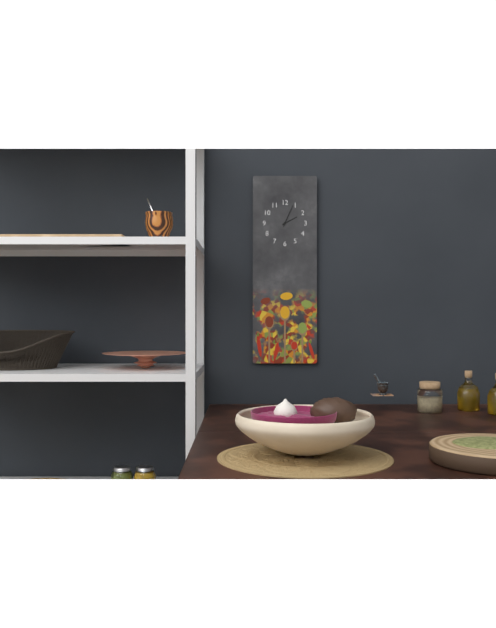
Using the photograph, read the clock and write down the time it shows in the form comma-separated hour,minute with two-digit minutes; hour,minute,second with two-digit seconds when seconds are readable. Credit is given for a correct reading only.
2,04
